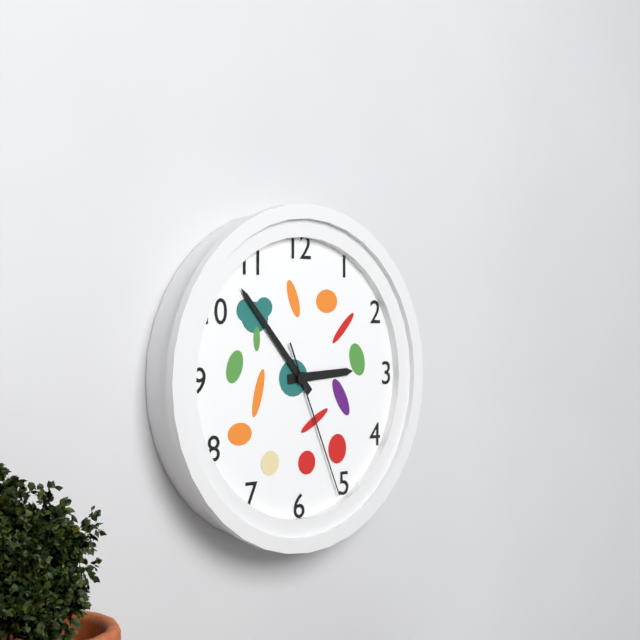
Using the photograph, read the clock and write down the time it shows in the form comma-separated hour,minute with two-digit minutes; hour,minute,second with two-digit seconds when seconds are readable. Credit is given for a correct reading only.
2,53,26
